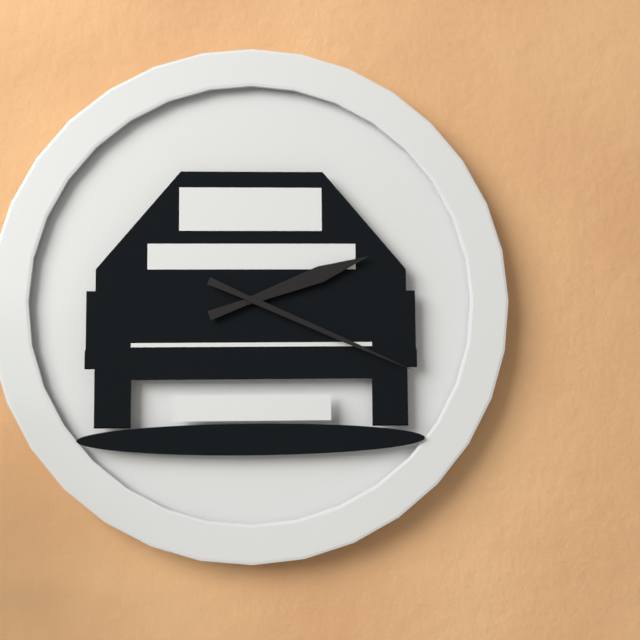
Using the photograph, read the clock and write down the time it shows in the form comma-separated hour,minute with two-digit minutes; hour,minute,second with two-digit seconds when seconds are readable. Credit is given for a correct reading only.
2,19
